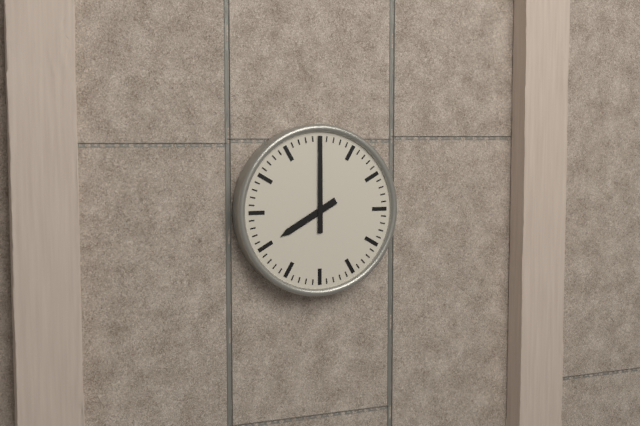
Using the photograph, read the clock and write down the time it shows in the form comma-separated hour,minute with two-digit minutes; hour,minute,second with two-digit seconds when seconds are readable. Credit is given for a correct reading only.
8,00
